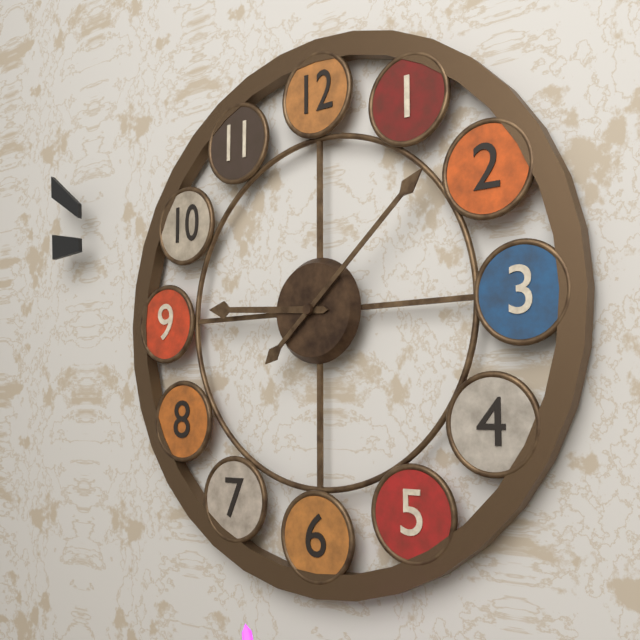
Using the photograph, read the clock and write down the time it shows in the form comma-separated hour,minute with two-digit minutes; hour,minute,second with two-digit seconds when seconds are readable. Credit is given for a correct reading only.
9,08
